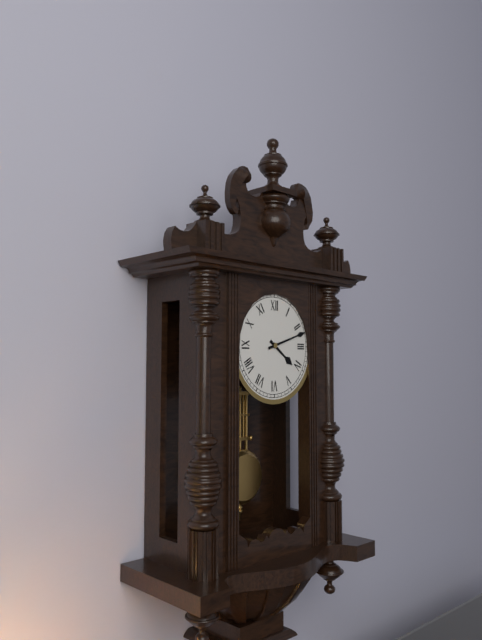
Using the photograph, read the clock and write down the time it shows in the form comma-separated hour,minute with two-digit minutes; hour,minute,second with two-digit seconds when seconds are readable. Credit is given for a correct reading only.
4,12
